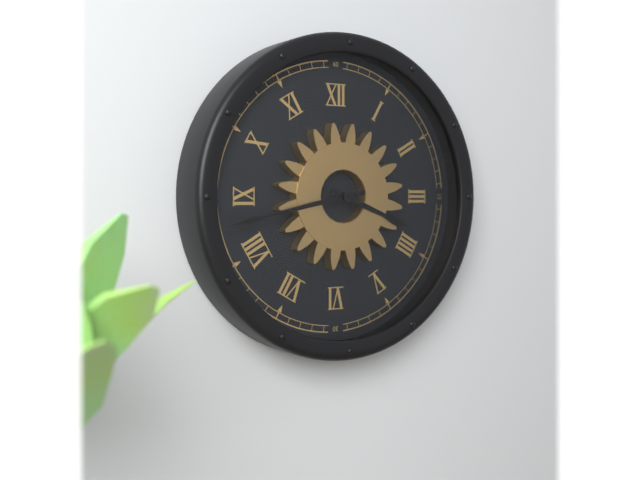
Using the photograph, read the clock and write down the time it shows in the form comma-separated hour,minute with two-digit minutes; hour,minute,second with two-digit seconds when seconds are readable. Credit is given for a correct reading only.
3,43
